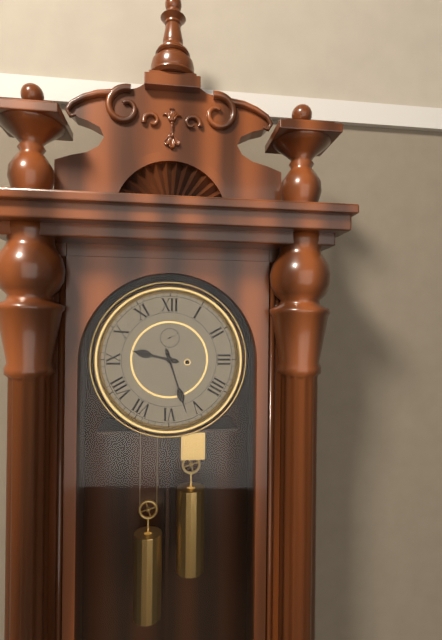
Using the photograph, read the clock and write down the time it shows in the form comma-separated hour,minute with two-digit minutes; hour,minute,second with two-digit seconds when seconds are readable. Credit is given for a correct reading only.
9,27
